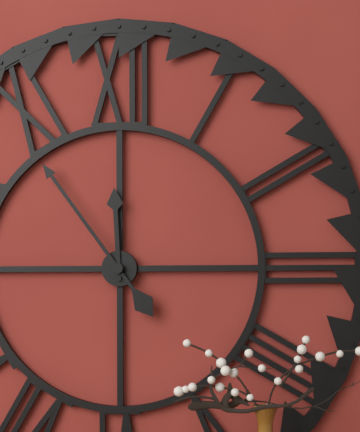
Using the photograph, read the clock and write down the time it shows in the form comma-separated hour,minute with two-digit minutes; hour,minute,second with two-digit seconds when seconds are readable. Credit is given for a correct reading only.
11,54
